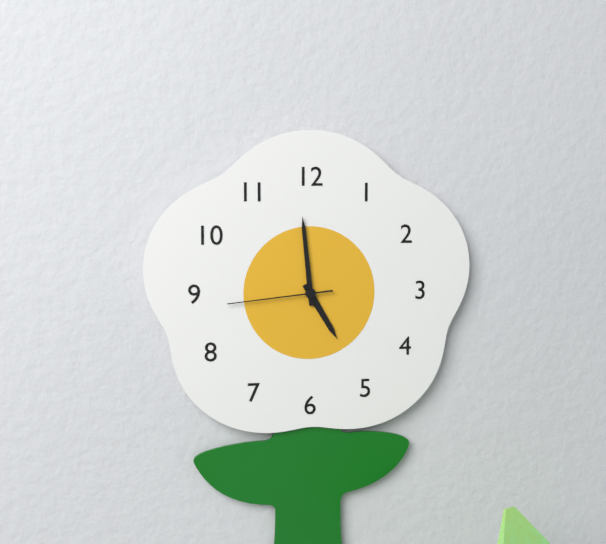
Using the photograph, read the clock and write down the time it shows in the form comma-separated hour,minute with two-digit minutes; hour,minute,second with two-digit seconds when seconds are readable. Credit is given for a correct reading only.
4,59,44
